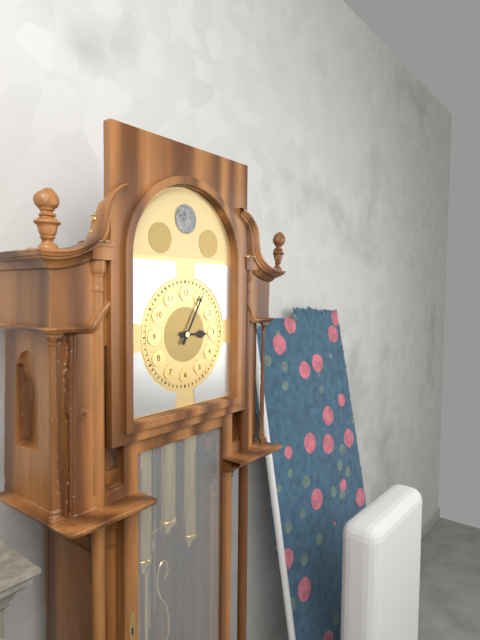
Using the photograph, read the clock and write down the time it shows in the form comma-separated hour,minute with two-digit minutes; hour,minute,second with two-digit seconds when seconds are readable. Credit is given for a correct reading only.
3,05
